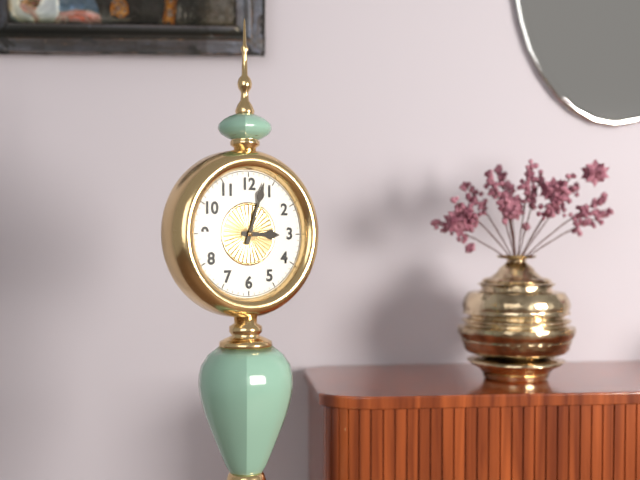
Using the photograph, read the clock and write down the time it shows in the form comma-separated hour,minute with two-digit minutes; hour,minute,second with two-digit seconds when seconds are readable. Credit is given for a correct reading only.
3,03
